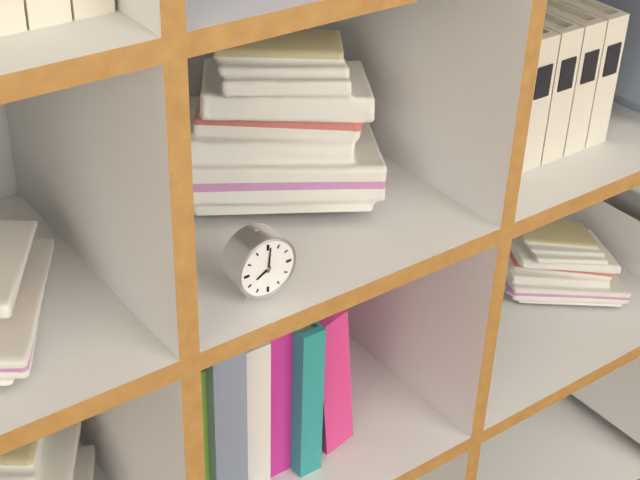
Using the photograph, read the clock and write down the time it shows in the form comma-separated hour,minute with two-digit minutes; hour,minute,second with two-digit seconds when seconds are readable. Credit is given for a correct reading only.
8,01
